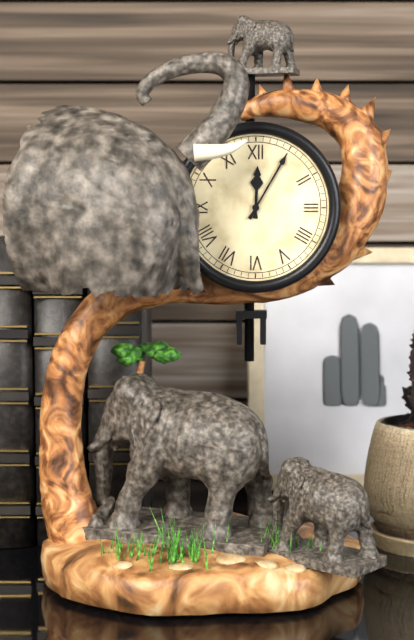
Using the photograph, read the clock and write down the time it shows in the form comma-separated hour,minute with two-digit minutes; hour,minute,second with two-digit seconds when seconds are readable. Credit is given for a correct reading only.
12,05
